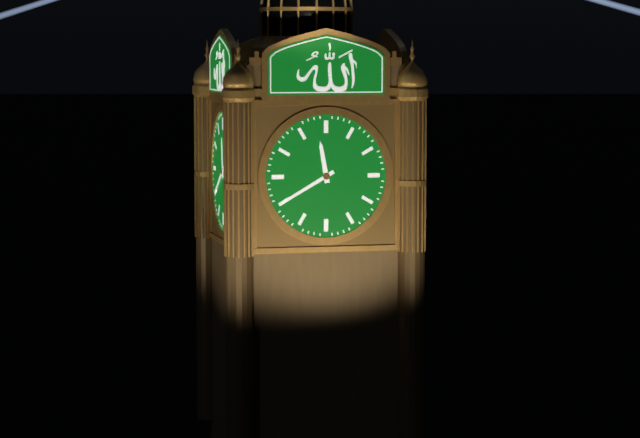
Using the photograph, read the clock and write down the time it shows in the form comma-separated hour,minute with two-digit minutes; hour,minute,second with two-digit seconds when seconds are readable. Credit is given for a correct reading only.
11,40
